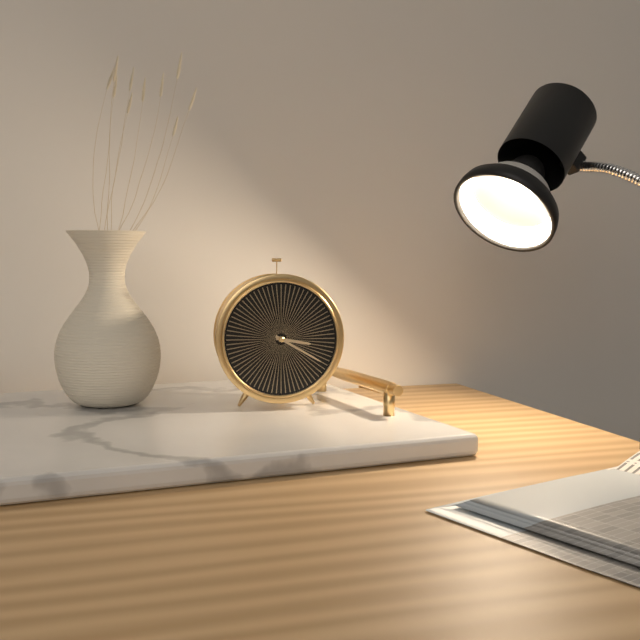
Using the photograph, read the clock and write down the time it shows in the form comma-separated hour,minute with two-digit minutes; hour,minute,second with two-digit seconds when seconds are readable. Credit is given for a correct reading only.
3,20
